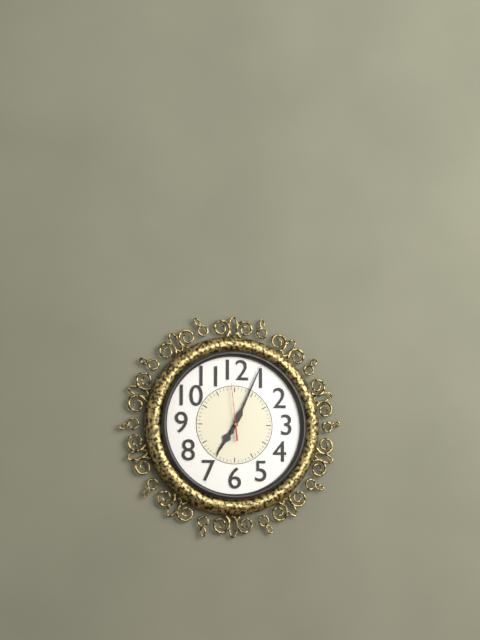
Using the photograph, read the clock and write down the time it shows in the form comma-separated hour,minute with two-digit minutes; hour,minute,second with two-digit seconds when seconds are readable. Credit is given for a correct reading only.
7,04,59
